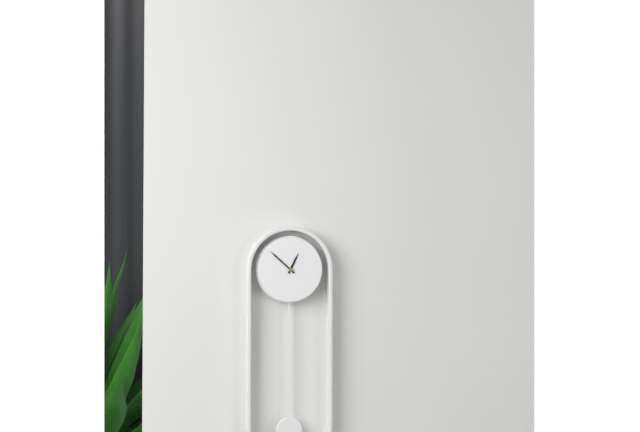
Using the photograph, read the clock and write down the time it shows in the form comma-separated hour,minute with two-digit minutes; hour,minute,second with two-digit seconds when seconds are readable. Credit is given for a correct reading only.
12,52
